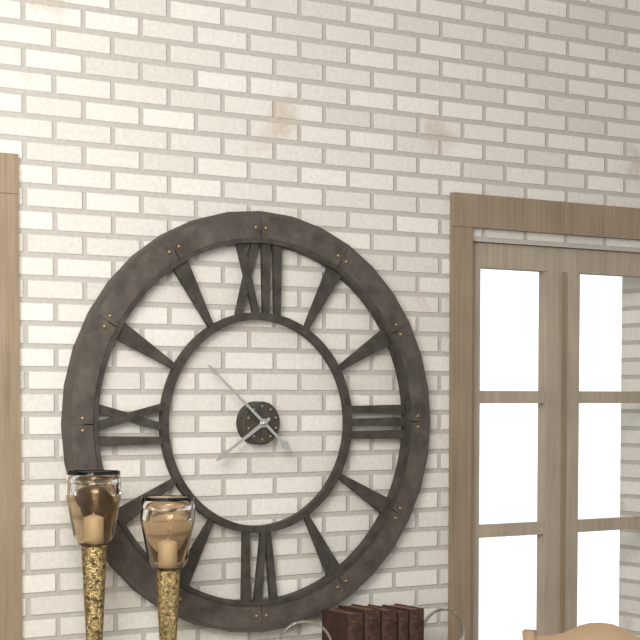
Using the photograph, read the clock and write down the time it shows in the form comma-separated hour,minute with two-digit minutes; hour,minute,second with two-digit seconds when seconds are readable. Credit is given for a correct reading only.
7,52
